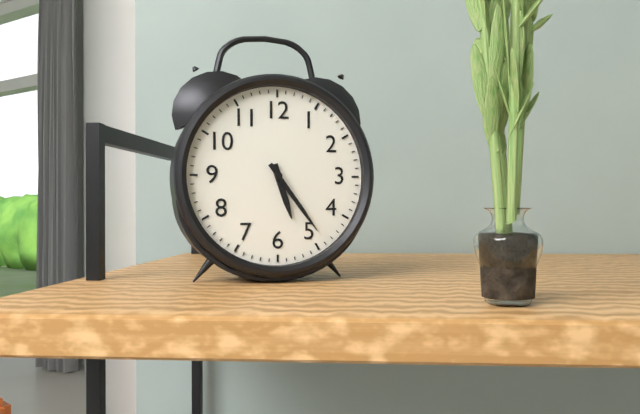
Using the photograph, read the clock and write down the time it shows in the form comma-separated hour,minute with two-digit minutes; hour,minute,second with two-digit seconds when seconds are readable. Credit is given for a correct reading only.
5,24
